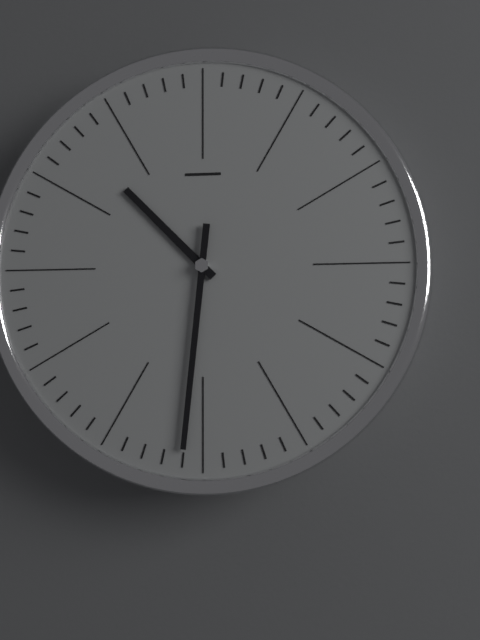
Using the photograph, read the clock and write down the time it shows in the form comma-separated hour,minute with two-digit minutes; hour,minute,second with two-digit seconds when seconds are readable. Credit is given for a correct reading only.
10,31
